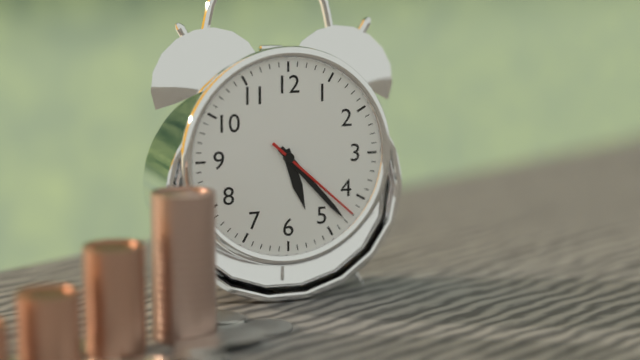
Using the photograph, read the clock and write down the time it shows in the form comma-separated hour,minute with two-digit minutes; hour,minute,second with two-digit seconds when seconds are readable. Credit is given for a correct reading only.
5,23,22
